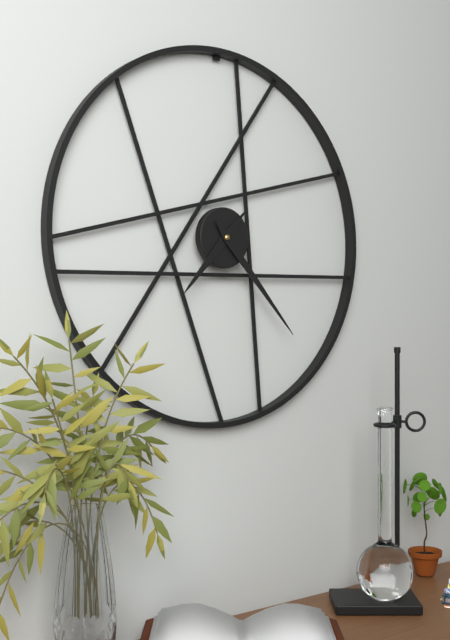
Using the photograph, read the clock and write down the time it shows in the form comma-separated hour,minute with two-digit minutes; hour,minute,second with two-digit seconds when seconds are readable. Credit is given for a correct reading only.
7,23
